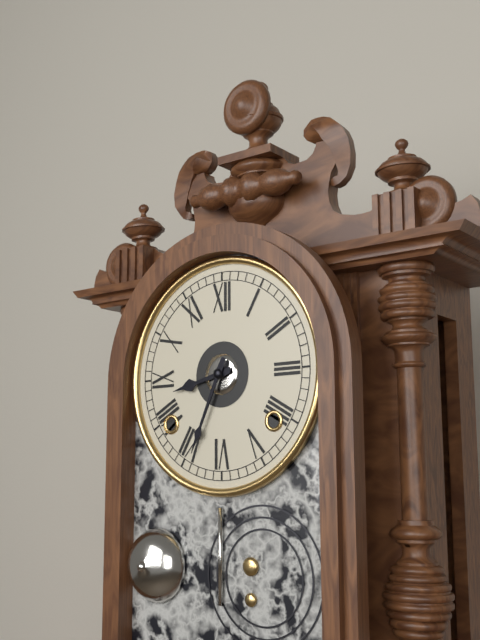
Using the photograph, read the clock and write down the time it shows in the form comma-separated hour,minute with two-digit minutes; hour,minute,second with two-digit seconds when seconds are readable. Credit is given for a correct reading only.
8,34
